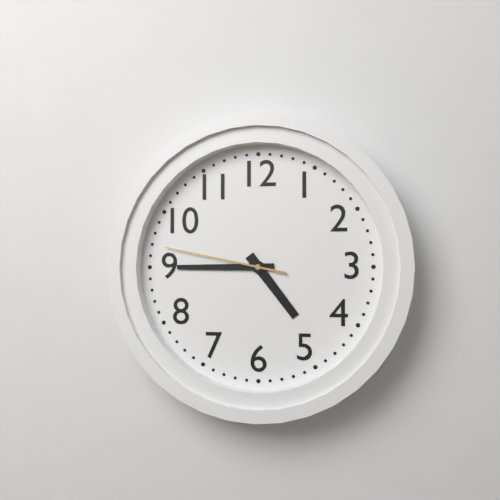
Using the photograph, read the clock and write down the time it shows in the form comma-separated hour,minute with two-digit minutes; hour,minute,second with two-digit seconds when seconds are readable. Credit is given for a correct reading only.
4,45,47
